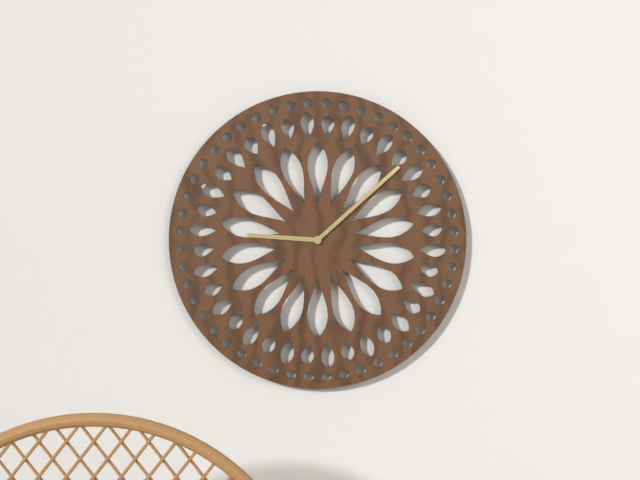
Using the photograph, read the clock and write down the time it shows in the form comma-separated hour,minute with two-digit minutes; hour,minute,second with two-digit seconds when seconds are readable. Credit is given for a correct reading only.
9,08
